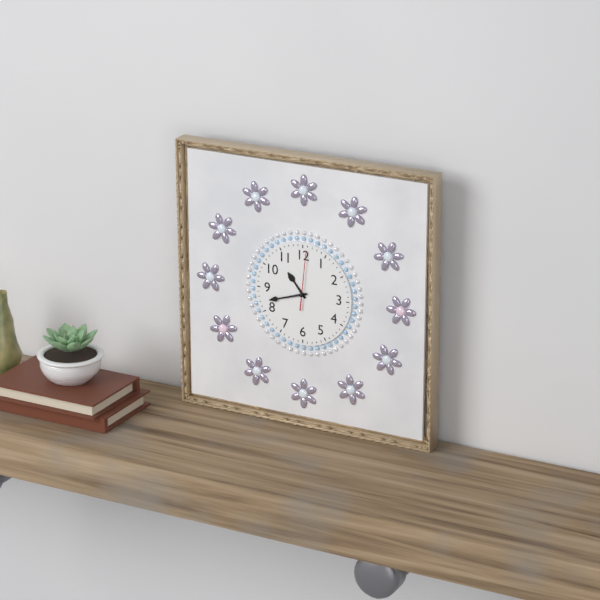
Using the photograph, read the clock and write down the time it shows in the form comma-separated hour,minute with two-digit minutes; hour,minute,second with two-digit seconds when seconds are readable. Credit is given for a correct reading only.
10,42,01
